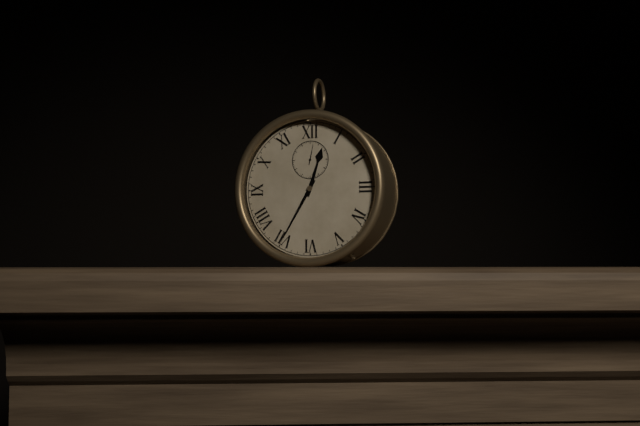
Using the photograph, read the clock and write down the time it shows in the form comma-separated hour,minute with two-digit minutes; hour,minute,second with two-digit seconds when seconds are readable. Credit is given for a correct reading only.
12,35
